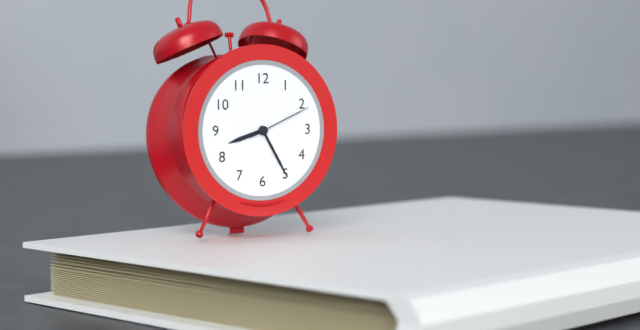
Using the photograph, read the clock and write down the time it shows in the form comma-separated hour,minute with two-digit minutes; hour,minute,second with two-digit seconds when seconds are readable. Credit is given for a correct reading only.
8,25,11
